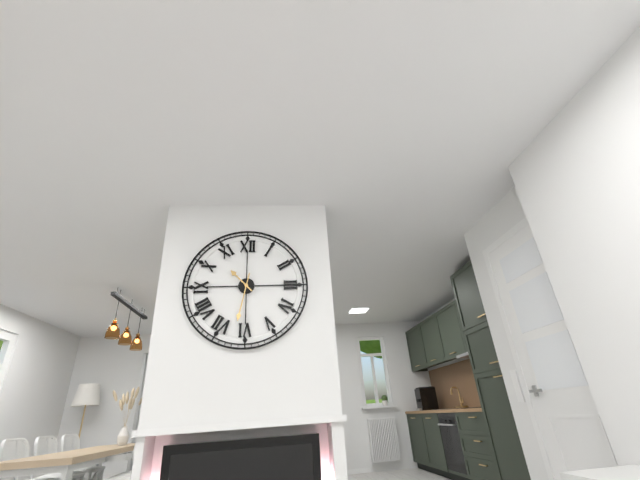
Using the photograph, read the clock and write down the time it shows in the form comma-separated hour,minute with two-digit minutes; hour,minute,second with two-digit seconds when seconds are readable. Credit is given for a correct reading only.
10,32
